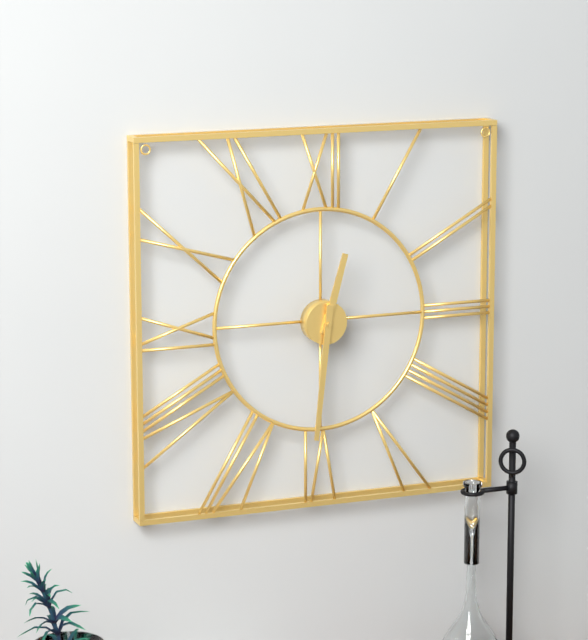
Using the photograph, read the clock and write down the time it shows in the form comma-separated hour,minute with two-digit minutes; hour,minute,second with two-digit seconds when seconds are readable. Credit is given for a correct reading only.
12,31
